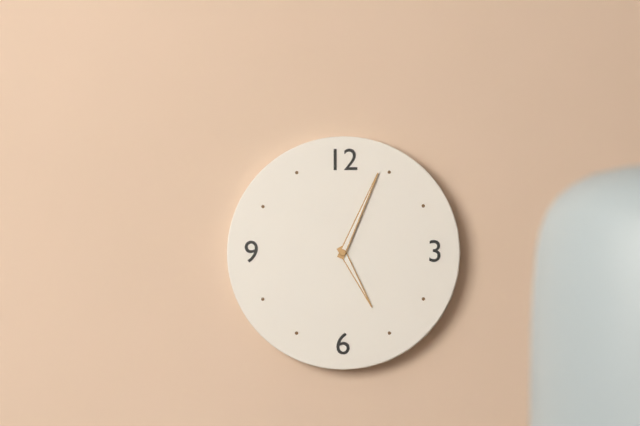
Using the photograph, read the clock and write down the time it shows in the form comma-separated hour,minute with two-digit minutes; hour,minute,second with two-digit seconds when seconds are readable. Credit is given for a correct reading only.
5,04
